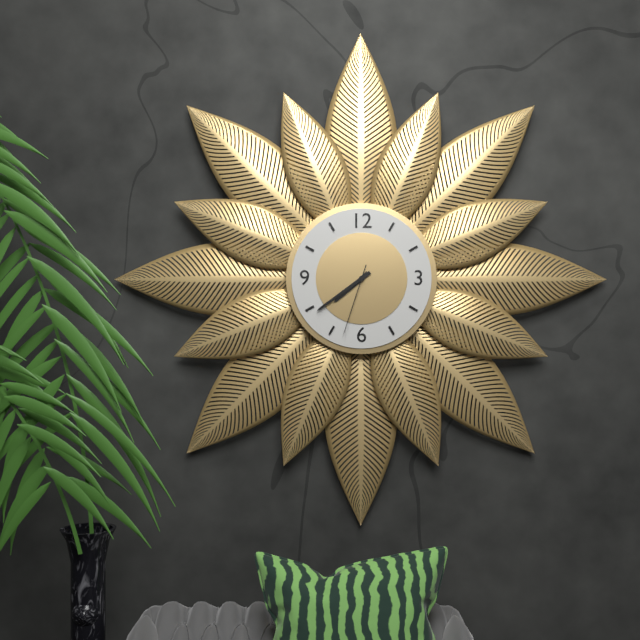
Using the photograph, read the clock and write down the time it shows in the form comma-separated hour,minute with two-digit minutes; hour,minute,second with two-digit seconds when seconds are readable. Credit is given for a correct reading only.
7,39,33
